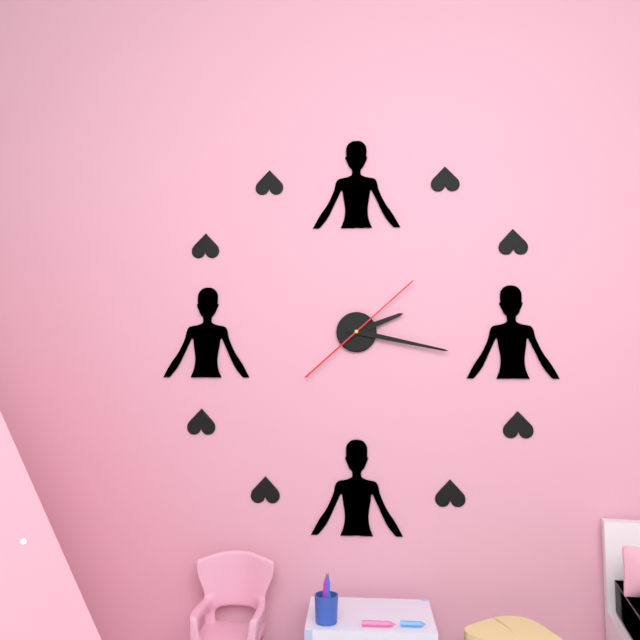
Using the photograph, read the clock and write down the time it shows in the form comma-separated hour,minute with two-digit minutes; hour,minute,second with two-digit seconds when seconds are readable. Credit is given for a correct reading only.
2,17,08
